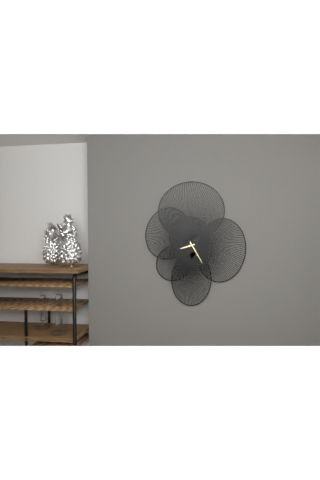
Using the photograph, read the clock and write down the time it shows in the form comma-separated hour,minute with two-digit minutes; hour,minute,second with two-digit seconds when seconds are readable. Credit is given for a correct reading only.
8,25
